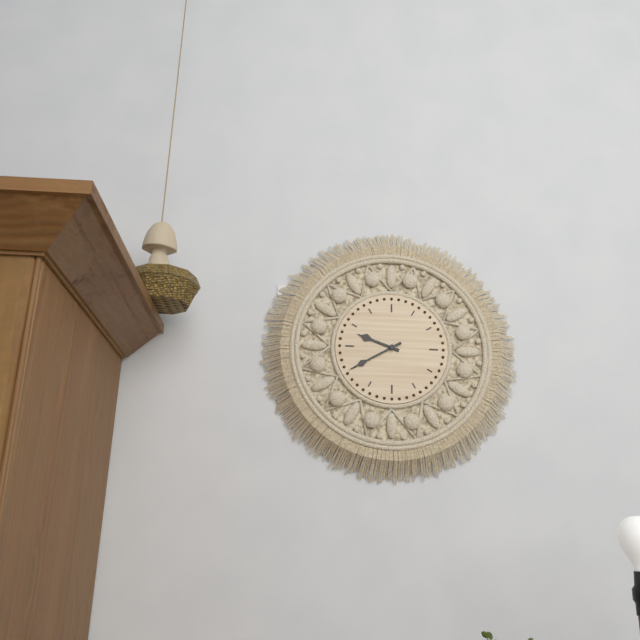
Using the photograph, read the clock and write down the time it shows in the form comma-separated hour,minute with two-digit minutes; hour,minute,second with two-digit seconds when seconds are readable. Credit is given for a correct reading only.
9,40
